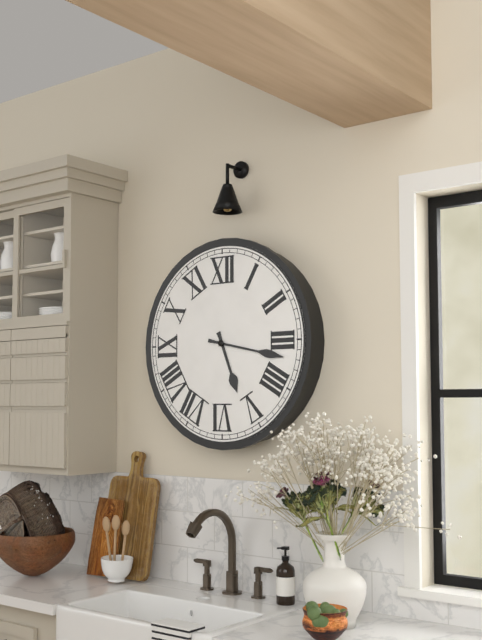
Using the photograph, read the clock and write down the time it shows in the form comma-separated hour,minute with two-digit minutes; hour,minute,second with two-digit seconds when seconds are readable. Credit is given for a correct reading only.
5,17
